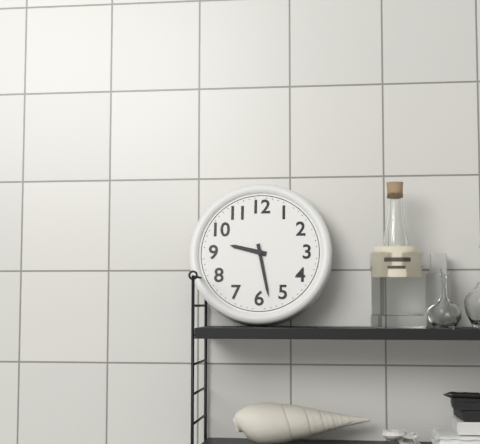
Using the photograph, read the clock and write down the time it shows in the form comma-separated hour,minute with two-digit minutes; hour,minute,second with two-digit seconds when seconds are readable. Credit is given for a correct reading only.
9,28
